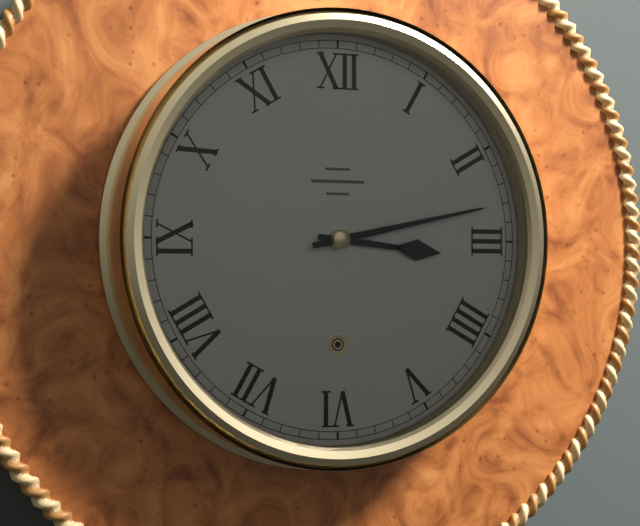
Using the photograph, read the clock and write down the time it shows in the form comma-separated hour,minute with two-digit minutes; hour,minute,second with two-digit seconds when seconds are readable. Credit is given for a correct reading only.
3,13
